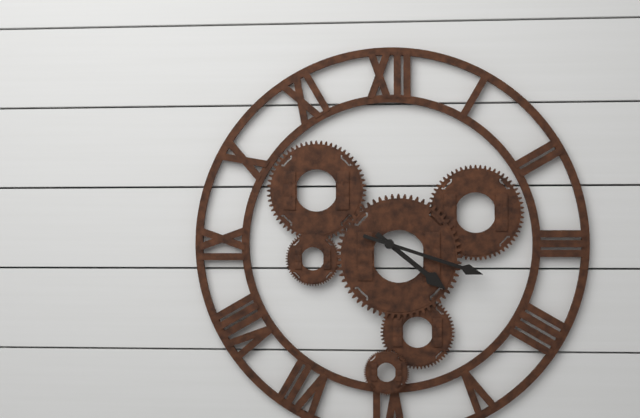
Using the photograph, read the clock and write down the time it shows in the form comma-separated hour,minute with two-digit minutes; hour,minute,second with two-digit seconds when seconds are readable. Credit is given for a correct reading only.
4,18
